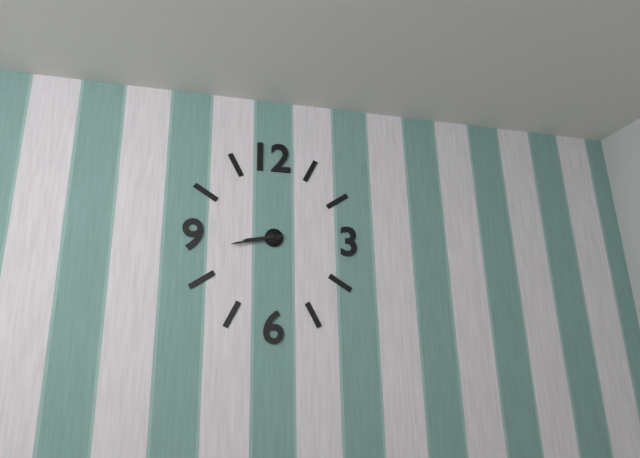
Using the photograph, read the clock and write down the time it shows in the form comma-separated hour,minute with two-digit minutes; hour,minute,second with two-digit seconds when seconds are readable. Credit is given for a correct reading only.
8,43
